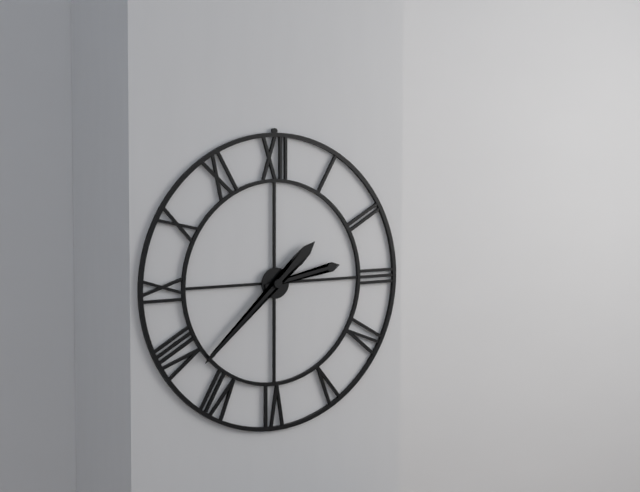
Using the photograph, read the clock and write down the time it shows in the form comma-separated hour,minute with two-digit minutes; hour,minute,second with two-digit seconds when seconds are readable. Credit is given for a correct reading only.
2,38
